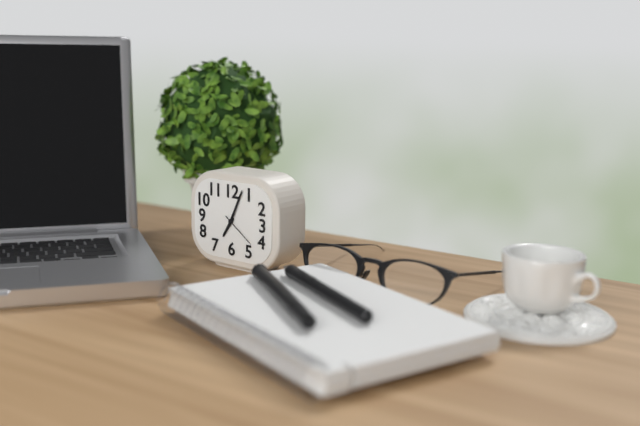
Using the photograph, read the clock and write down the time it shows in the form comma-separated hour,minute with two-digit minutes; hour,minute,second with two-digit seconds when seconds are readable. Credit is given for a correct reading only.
7,04
